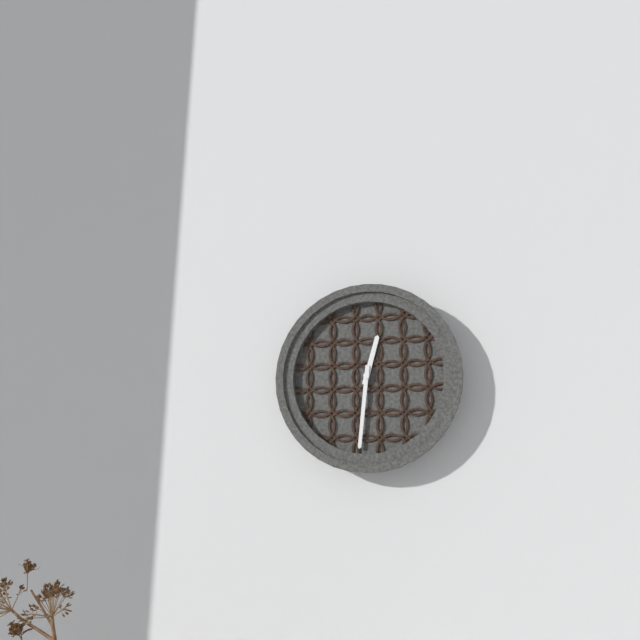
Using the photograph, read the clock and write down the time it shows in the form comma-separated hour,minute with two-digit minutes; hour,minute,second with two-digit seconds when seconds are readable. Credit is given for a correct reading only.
12,31
